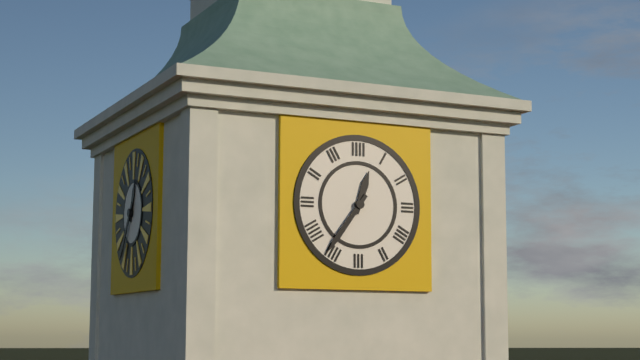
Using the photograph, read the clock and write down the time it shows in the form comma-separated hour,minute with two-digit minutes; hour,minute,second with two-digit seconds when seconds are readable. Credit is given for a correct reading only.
12,36
